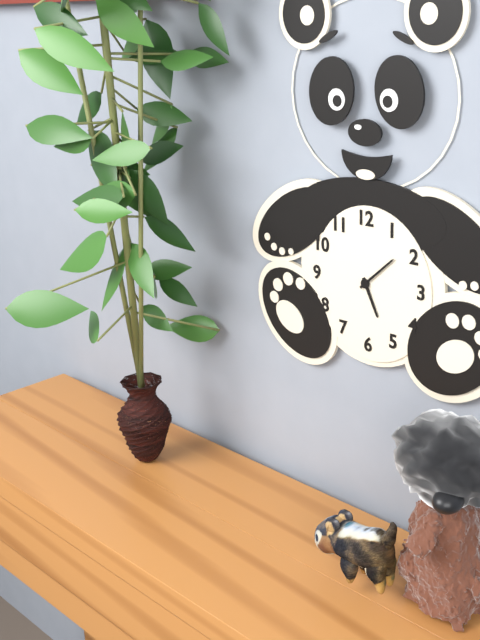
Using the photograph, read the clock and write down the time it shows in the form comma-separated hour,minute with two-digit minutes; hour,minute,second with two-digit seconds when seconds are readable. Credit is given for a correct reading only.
5,08
